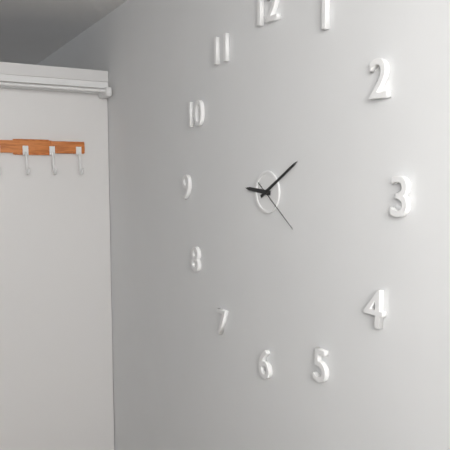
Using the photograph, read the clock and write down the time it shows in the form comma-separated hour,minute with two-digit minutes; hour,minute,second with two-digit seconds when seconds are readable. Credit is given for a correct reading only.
9,10,21
